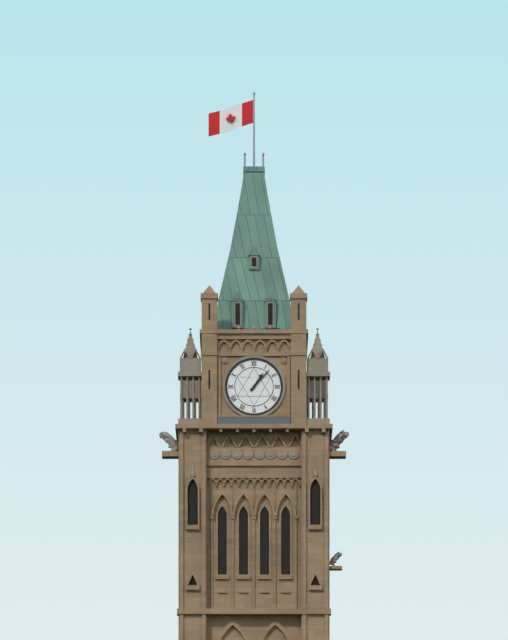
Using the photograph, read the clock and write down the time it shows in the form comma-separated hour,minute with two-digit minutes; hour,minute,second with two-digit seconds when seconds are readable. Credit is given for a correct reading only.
1,07
